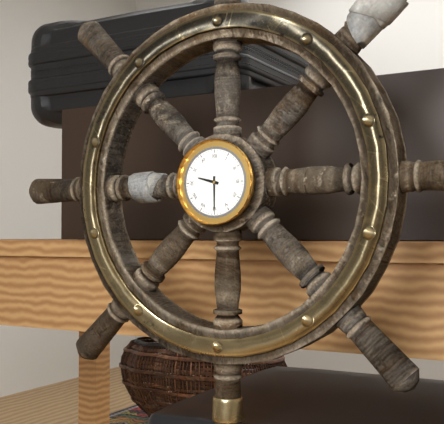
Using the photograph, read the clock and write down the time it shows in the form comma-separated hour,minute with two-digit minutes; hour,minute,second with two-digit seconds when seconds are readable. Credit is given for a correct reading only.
9,30
